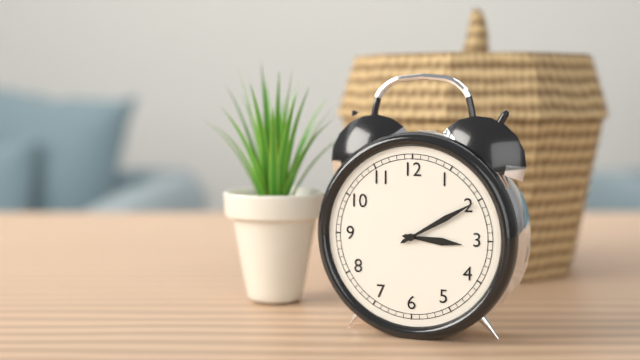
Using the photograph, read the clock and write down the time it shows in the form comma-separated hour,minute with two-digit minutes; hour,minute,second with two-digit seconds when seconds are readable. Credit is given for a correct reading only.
3,10
